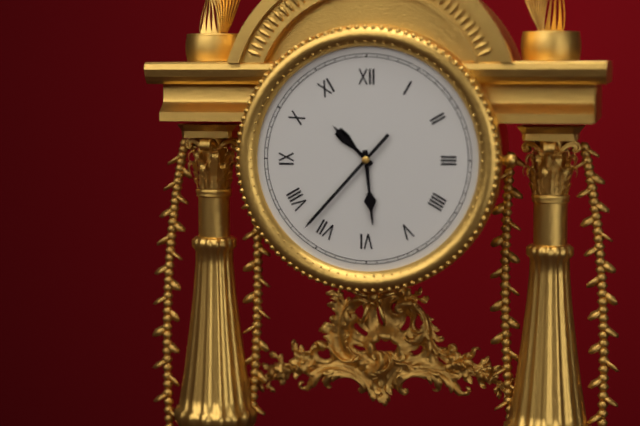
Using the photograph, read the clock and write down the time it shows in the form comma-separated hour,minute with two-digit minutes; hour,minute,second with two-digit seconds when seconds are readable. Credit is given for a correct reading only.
10,29,37
